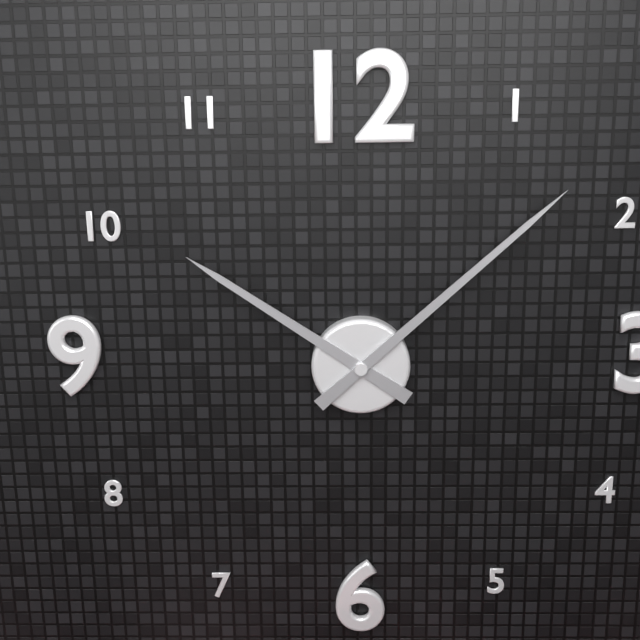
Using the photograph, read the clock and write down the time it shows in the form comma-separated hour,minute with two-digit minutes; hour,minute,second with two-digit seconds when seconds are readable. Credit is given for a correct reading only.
10,08
